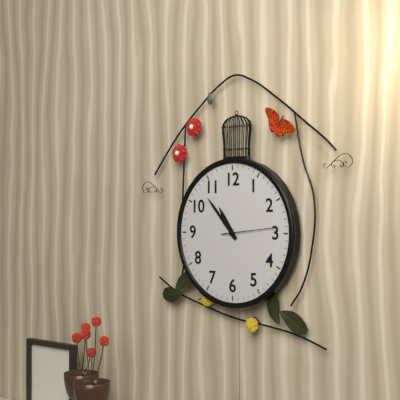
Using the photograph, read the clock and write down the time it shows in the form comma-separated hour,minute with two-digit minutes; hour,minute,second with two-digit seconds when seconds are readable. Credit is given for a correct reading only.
10,53,14
